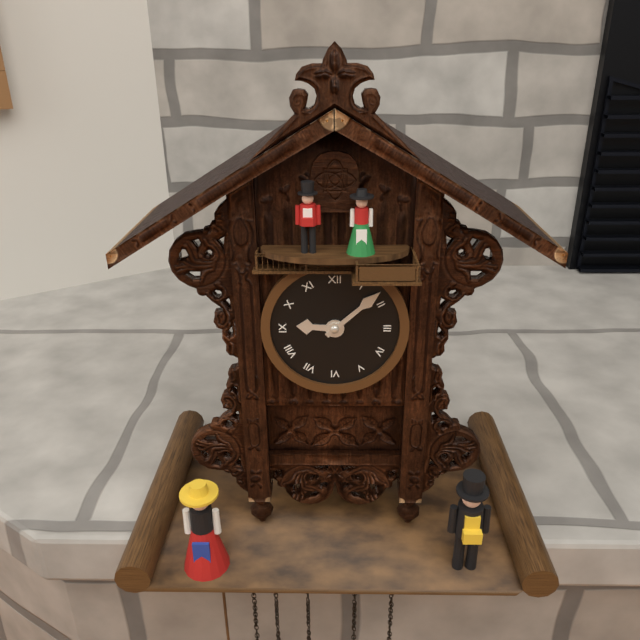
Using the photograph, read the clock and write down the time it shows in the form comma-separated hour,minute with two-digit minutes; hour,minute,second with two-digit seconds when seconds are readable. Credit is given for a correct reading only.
9,08
